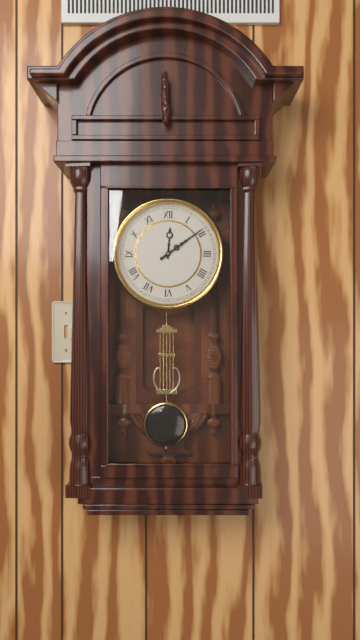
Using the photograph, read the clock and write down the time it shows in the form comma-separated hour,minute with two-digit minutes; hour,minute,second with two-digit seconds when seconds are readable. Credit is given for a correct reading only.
12,09
